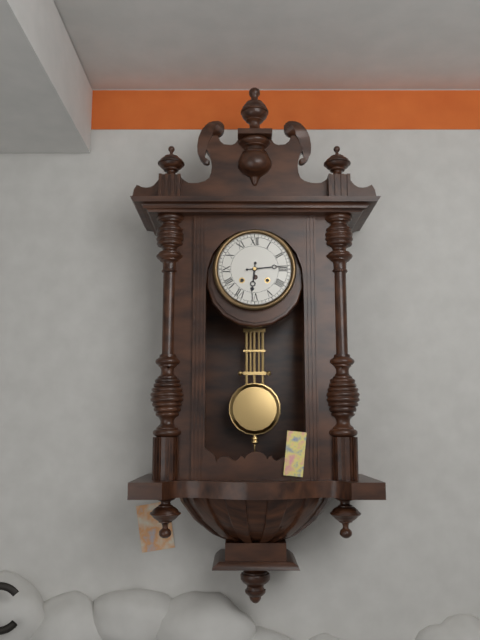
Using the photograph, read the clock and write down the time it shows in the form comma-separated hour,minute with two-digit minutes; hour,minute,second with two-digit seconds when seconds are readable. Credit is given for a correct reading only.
6,14
